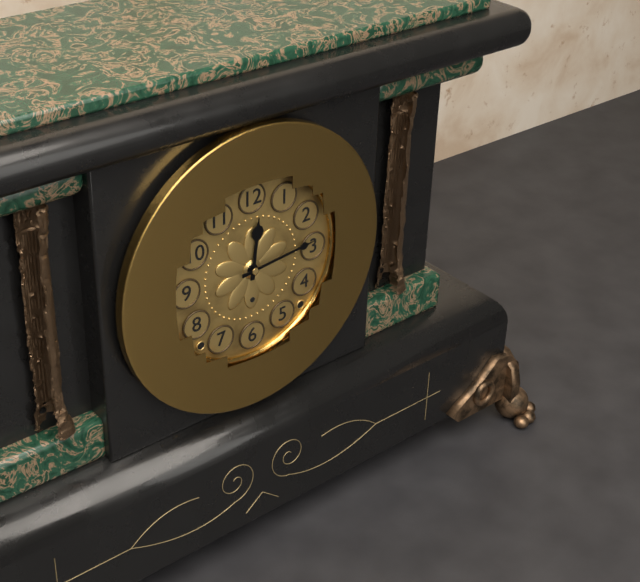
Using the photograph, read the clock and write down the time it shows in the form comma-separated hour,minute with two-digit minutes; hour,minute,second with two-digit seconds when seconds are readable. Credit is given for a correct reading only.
12,14
